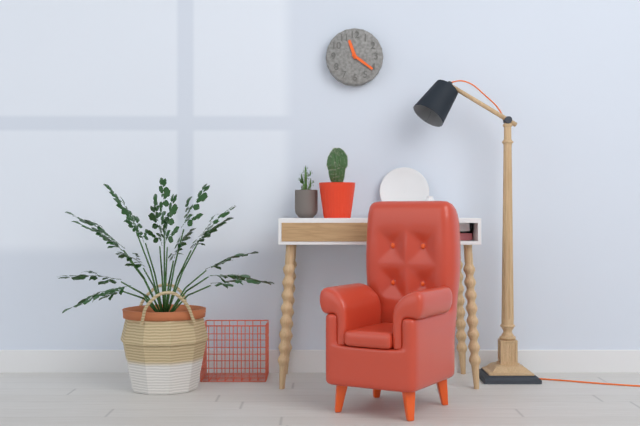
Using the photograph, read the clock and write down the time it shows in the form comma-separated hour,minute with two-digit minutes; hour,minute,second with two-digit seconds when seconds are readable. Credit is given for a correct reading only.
11,21
